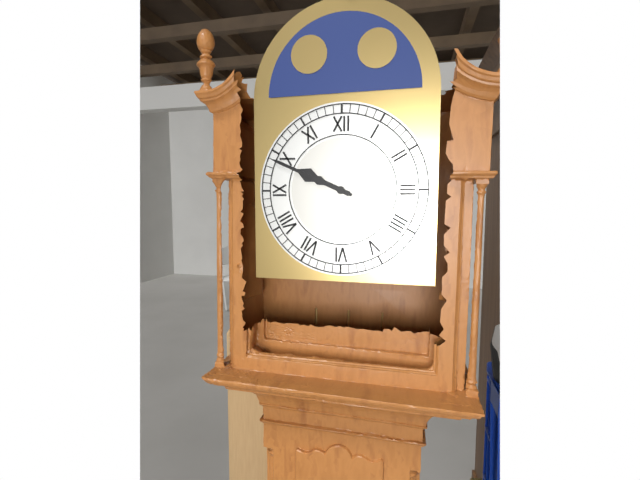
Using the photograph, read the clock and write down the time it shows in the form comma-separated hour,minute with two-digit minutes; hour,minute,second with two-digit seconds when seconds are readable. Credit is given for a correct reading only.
9,49
